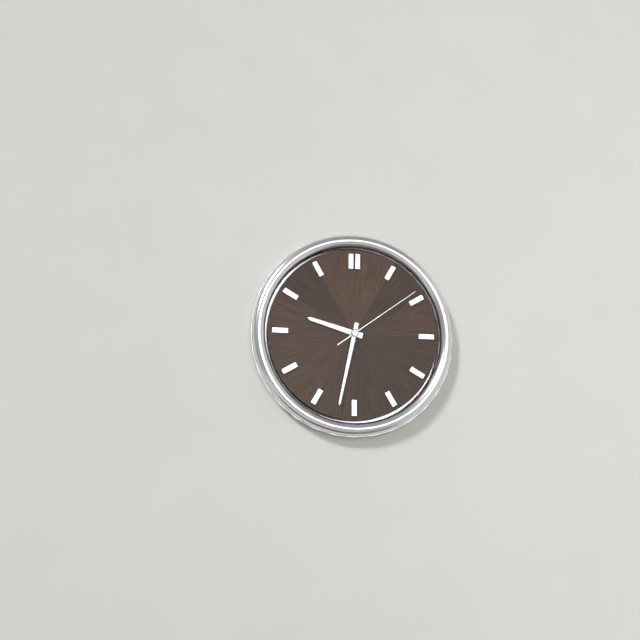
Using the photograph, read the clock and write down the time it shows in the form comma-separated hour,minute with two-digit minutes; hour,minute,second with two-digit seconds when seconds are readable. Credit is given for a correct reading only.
9,32,09
